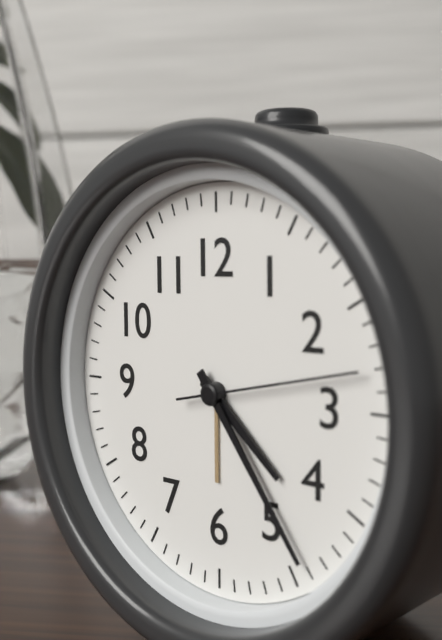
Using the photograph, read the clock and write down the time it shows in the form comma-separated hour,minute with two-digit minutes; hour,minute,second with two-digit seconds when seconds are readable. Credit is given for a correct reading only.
4,24,13
